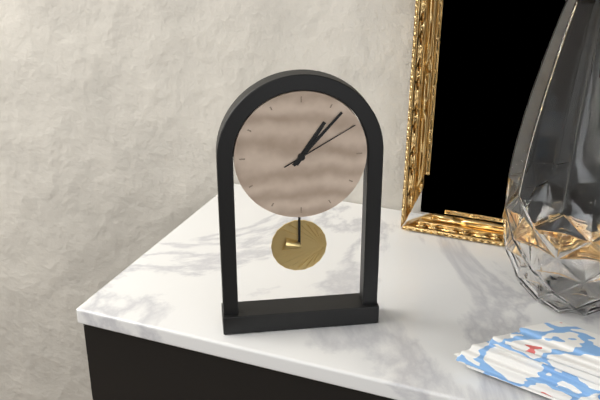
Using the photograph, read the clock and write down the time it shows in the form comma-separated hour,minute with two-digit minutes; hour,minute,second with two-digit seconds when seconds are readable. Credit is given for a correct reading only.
1,07,10
